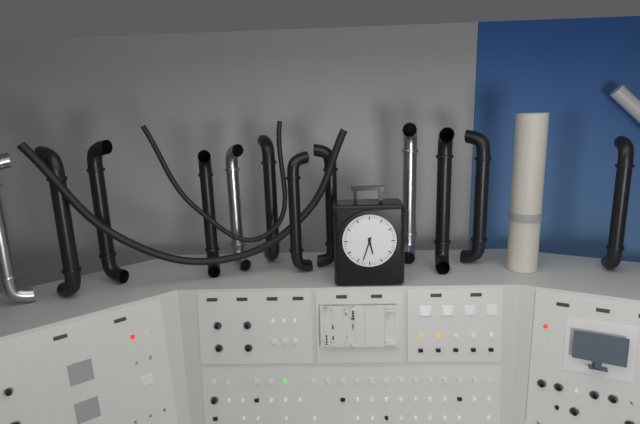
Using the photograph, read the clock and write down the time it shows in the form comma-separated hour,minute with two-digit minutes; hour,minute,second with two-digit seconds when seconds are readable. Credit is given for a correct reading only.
5,33
